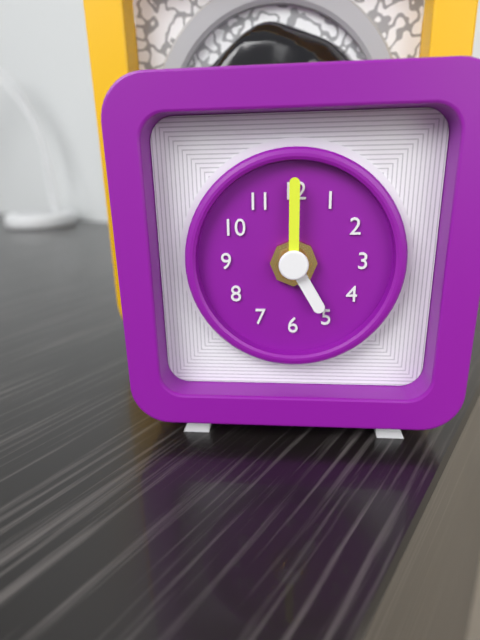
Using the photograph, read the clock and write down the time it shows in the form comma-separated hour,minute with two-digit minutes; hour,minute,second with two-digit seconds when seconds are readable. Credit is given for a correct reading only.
5,00
